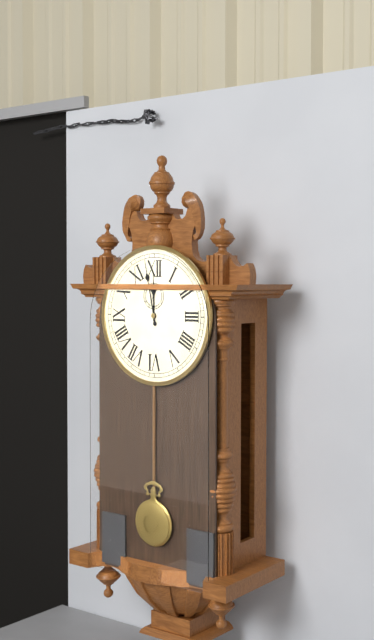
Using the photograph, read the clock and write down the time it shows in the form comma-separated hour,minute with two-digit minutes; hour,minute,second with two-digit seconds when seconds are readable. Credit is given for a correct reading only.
11,58
